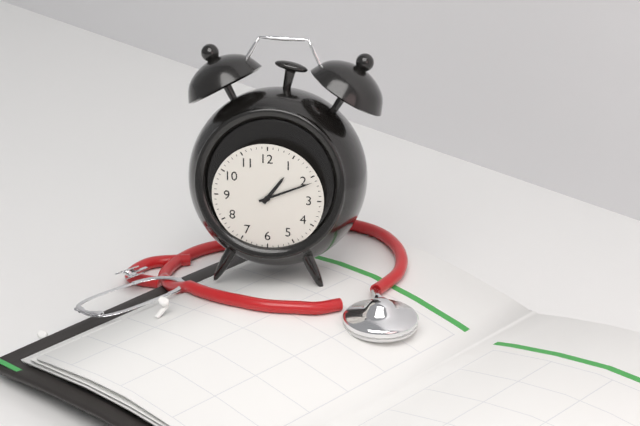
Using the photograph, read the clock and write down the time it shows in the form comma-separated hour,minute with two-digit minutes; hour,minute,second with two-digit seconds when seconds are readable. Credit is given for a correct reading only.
1,11
